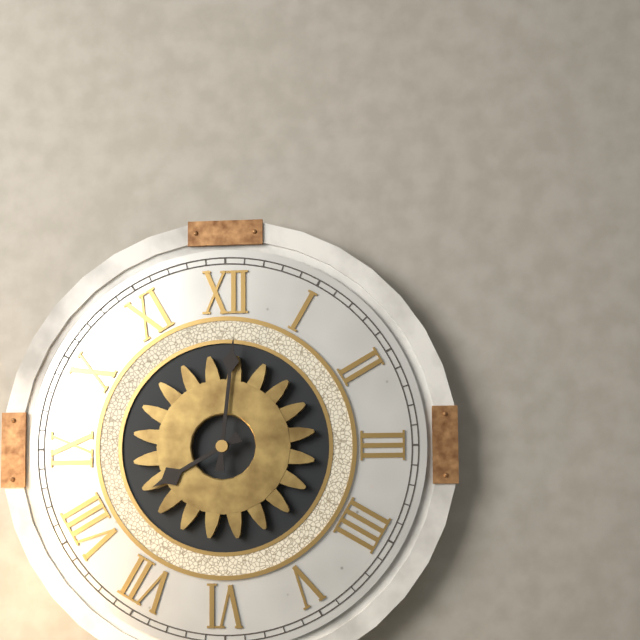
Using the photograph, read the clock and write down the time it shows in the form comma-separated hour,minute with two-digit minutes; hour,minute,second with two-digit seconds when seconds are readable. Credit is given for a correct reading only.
8,01
